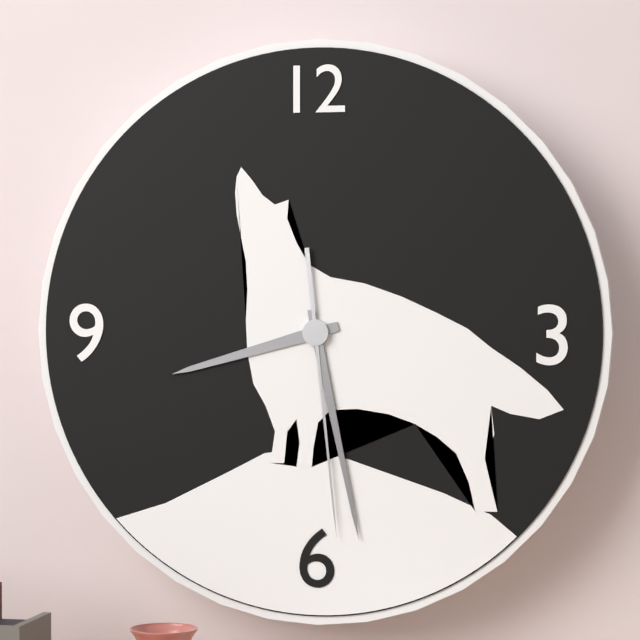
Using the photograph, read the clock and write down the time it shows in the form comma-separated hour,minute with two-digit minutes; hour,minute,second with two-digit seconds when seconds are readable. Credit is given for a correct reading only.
8,28,29
